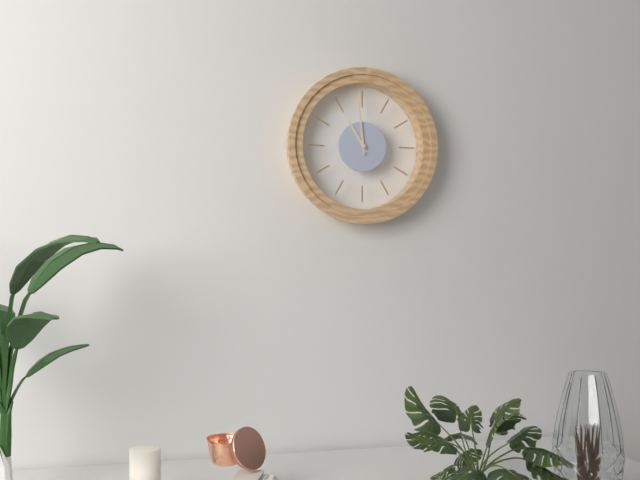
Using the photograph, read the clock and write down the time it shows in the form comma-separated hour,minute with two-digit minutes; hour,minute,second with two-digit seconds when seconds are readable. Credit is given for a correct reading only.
10,59
